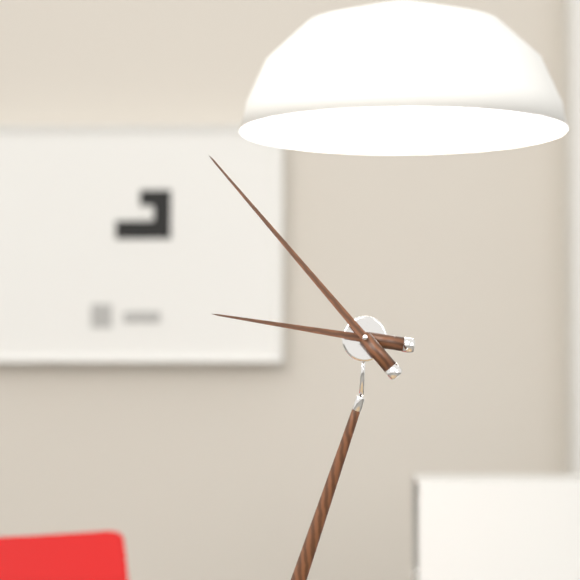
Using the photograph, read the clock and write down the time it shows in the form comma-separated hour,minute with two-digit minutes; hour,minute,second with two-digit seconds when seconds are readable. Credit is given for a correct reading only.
8,51
